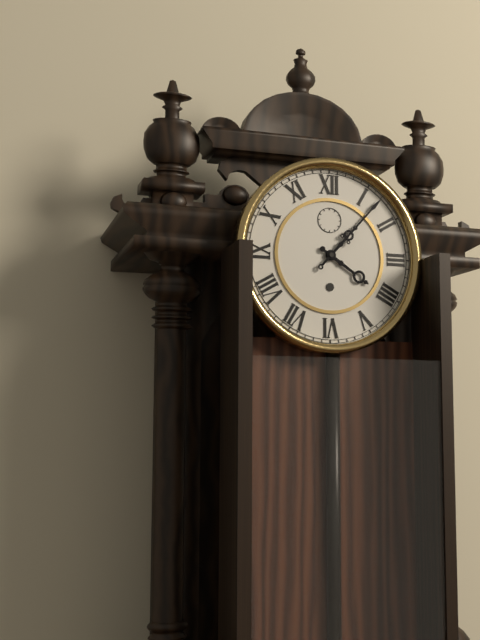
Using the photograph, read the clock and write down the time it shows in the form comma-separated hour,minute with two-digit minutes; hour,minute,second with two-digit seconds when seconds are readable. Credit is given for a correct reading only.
4,07
